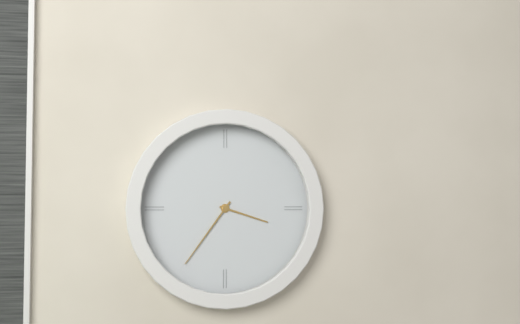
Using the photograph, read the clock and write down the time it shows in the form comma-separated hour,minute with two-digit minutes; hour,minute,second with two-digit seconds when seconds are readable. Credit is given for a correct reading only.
3,36
